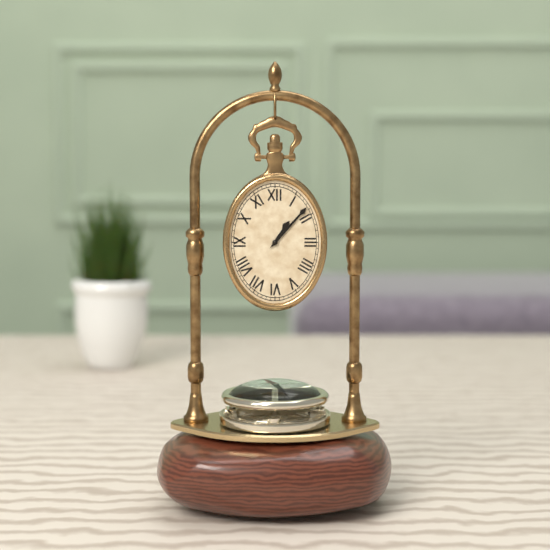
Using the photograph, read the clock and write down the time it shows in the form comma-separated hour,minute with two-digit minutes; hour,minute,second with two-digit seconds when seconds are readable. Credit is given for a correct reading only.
1,07
